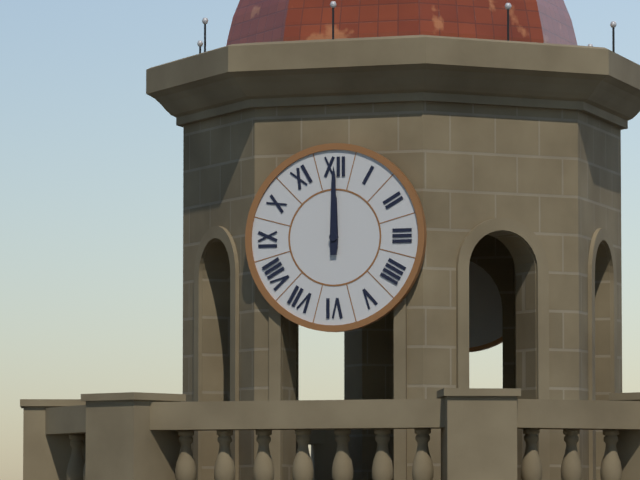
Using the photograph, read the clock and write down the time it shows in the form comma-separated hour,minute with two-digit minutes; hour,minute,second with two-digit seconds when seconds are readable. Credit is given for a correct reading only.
12,00
